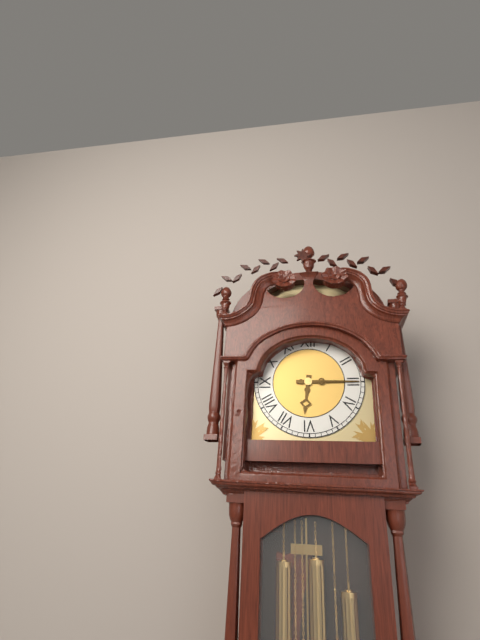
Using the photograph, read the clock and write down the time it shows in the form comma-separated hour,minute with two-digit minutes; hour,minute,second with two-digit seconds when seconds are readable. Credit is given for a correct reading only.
6,15
